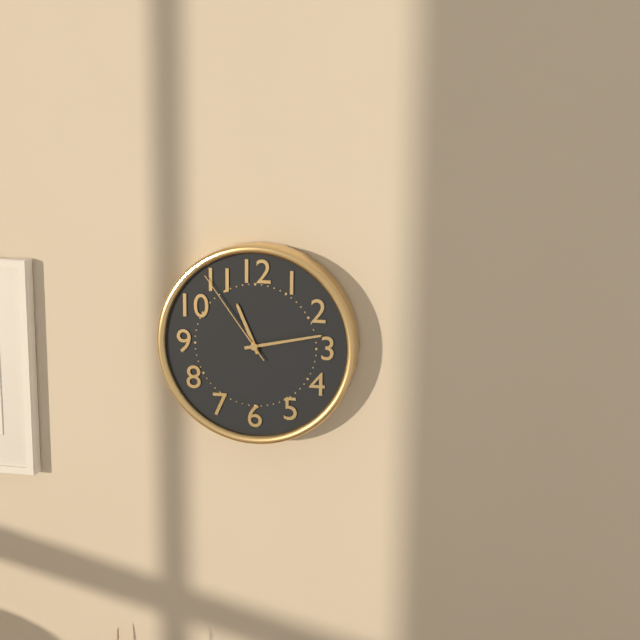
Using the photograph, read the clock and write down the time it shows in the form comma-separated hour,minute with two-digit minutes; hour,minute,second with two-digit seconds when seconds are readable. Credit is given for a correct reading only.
11,13,54
